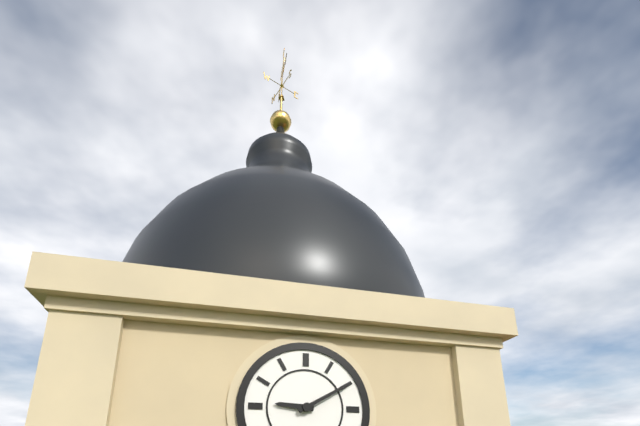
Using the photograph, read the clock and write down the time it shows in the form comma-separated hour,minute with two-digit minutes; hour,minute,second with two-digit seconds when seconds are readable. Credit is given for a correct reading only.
9,10
